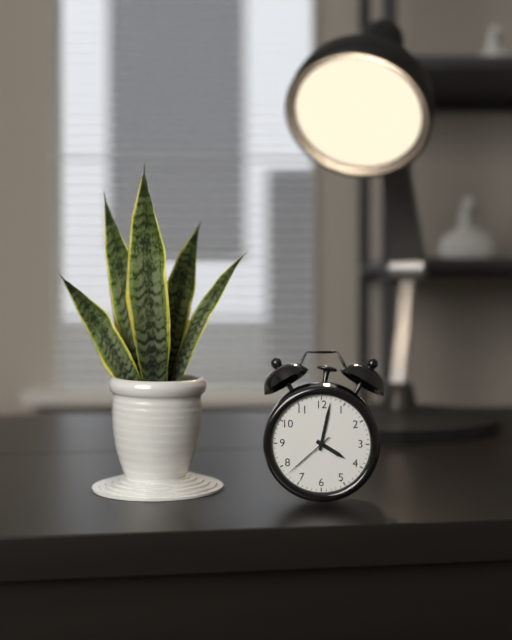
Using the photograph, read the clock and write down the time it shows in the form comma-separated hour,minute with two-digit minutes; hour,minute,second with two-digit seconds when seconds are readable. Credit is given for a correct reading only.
4,02,38
